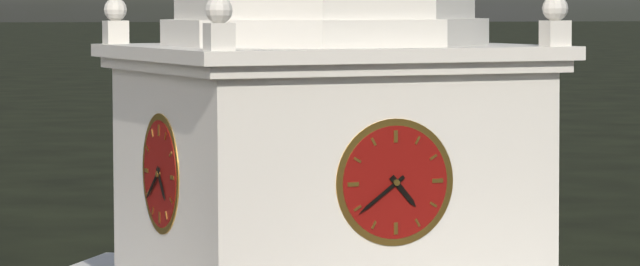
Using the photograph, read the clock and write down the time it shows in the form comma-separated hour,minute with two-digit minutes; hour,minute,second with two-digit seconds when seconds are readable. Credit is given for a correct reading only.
4,39
